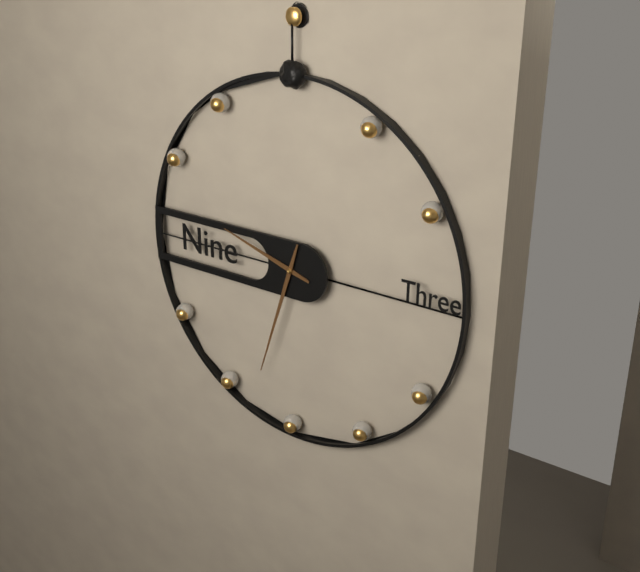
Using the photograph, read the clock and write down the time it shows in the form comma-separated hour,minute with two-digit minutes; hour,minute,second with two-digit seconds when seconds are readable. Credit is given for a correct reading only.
9,33
